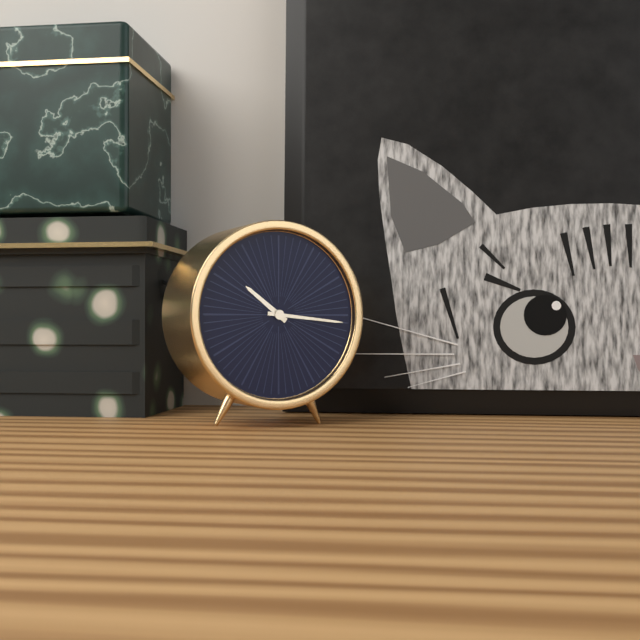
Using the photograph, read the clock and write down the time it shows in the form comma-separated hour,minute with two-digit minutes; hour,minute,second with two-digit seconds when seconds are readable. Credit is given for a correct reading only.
10,16
